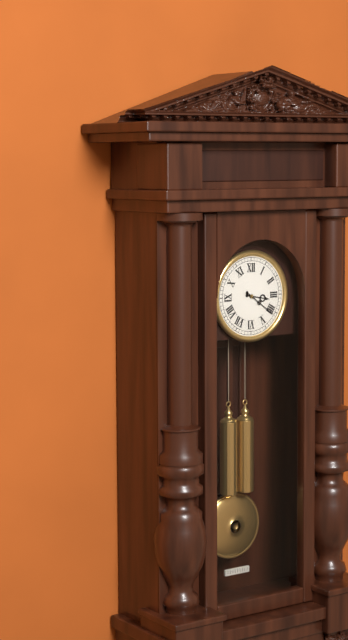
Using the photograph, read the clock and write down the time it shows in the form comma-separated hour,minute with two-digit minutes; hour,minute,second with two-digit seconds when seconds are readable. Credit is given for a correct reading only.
3,21
